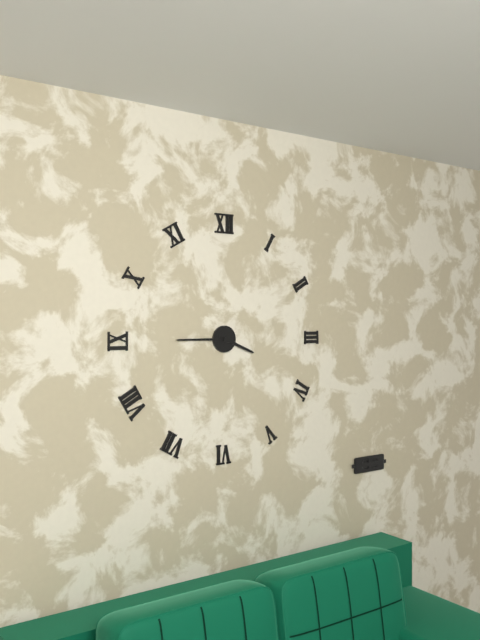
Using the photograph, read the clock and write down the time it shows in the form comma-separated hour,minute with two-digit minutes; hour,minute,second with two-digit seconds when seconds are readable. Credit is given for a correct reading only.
3,45
